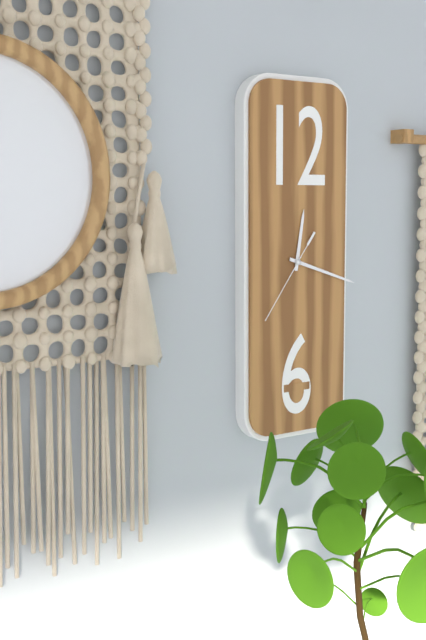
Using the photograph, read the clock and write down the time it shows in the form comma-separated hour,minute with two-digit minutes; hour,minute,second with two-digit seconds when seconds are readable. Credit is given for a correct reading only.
12,18,36
